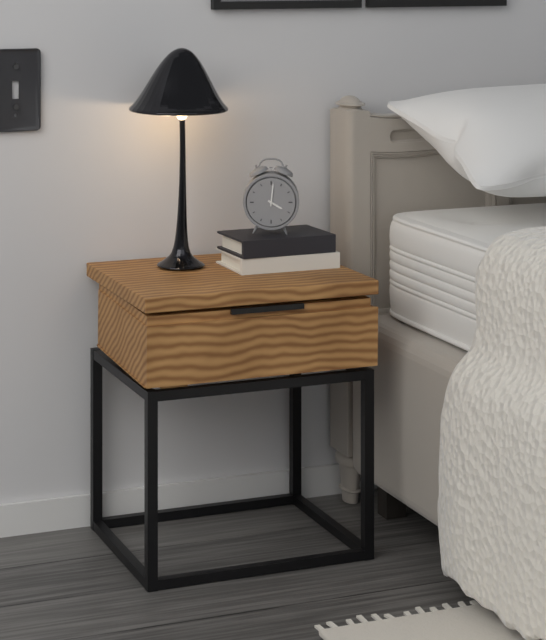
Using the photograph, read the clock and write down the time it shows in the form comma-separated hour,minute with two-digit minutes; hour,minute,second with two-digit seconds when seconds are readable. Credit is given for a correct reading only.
4,01
